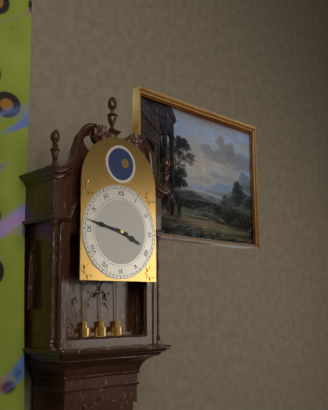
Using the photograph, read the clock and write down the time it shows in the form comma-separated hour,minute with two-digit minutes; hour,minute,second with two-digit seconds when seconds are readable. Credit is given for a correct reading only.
3,47
